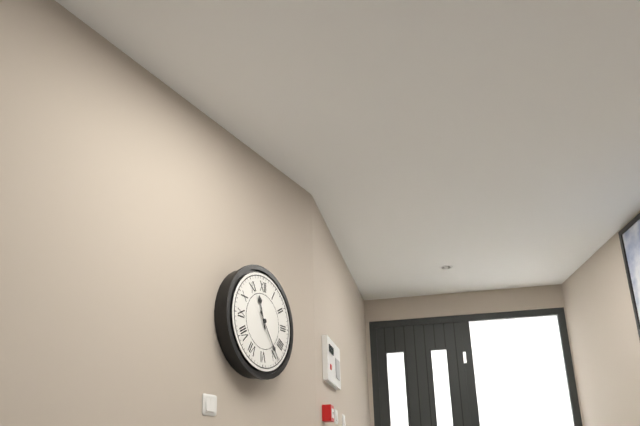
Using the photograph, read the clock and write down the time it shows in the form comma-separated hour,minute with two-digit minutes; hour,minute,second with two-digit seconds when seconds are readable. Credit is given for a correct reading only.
11,24
